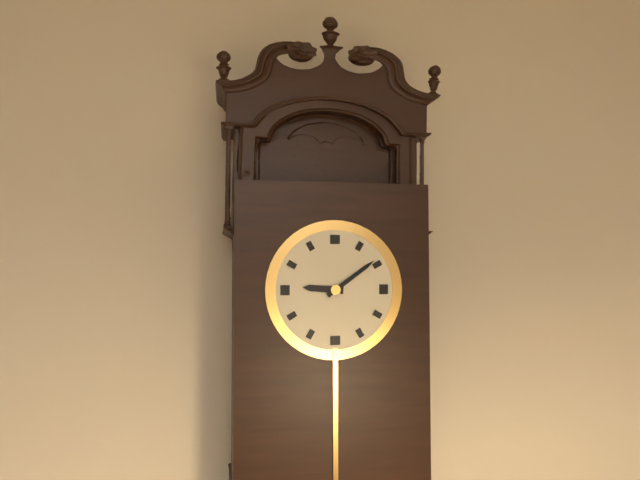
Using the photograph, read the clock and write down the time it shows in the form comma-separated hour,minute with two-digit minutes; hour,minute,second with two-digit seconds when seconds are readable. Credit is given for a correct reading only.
9,09
